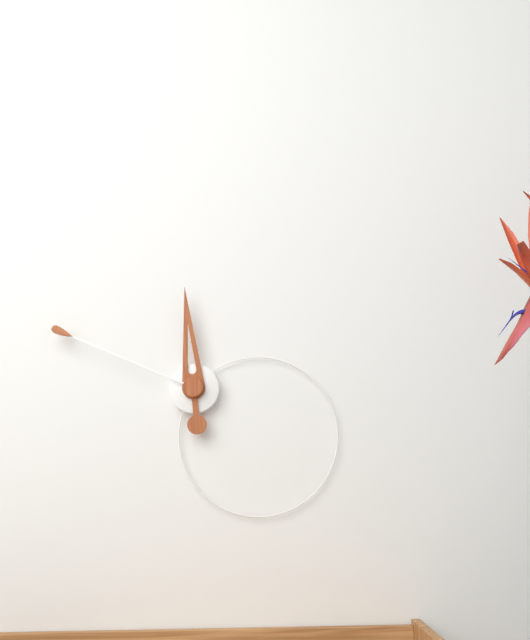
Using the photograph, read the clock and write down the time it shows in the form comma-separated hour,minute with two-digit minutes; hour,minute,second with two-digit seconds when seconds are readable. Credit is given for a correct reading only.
11,49
